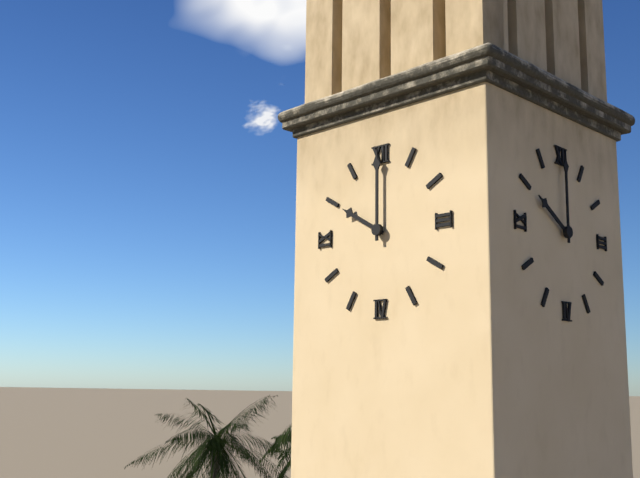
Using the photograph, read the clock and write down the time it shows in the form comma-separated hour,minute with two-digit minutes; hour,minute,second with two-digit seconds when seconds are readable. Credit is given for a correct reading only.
10,00
